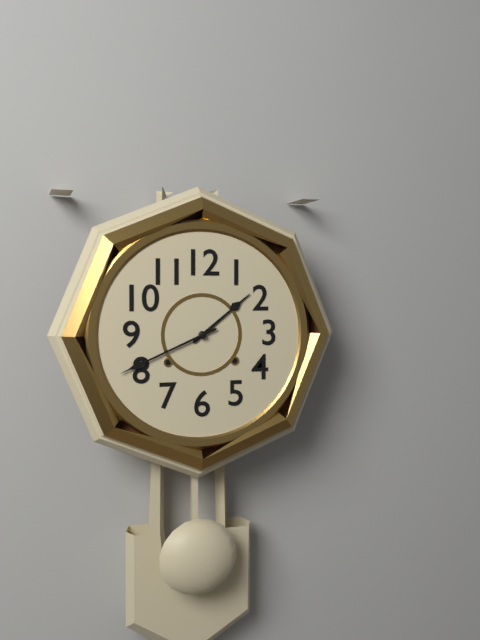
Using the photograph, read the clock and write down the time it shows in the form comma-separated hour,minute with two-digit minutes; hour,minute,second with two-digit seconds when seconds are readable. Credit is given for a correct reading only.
1,41
